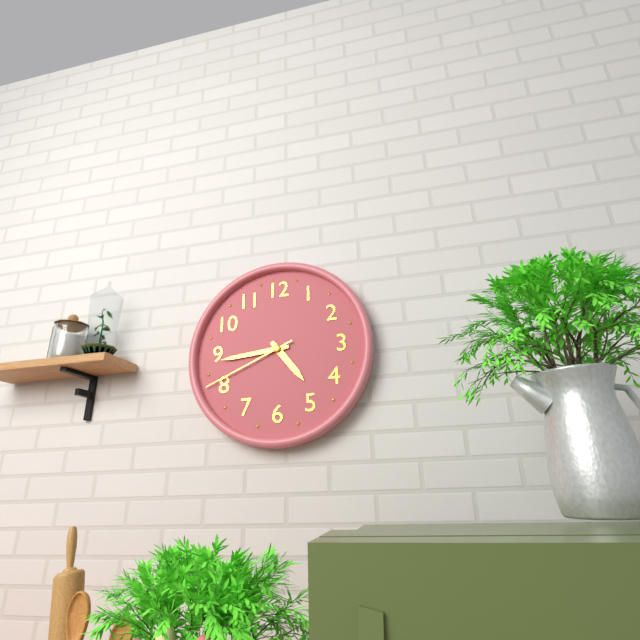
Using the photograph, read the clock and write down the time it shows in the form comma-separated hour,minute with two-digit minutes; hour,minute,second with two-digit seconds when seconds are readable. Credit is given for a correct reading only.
4,44,41
